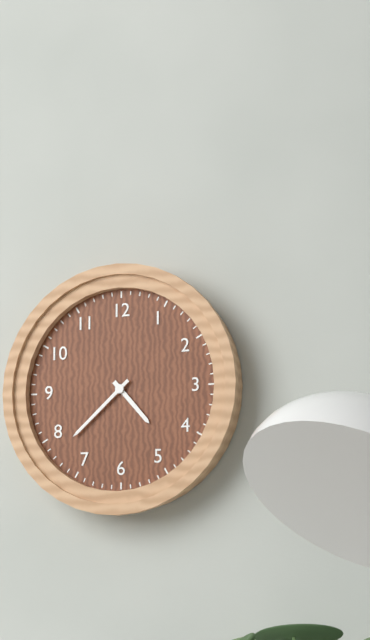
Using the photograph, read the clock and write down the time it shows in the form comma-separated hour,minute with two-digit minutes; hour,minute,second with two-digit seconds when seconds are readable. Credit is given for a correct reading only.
4,38
